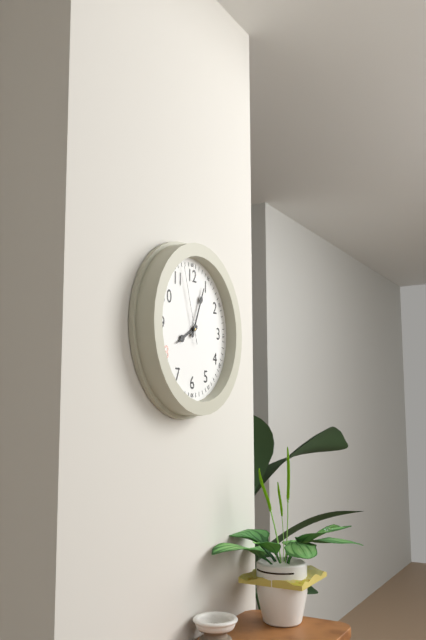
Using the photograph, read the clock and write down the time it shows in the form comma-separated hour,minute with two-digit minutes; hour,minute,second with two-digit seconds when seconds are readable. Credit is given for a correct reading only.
8,04,57
